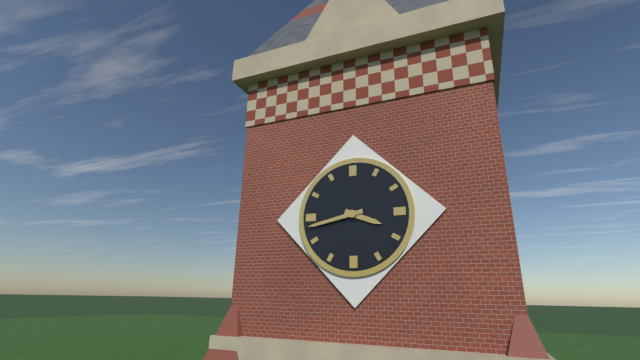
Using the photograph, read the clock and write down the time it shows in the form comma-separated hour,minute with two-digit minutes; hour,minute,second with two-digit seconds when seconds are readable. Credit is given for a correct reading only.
3,43
